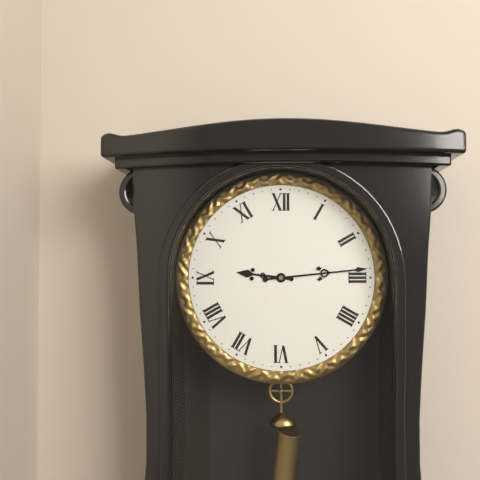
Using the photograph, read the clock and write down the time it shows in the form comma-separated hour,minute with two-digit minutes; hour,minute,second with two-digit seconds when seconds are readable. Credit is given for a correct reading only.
9,14
